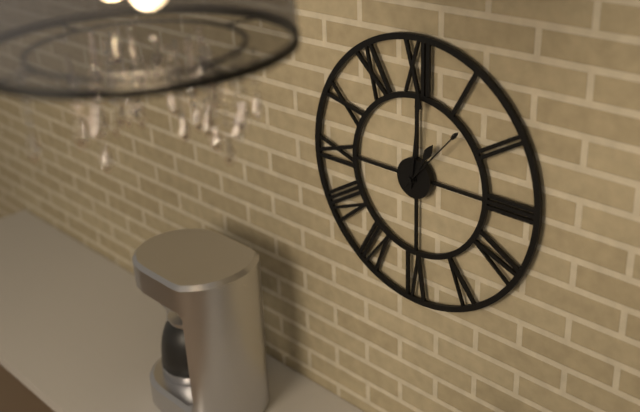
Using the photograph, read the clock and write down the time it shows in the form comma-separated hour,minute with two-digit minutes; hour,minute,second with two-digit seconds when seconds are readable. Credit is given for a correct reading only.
1,01,07
